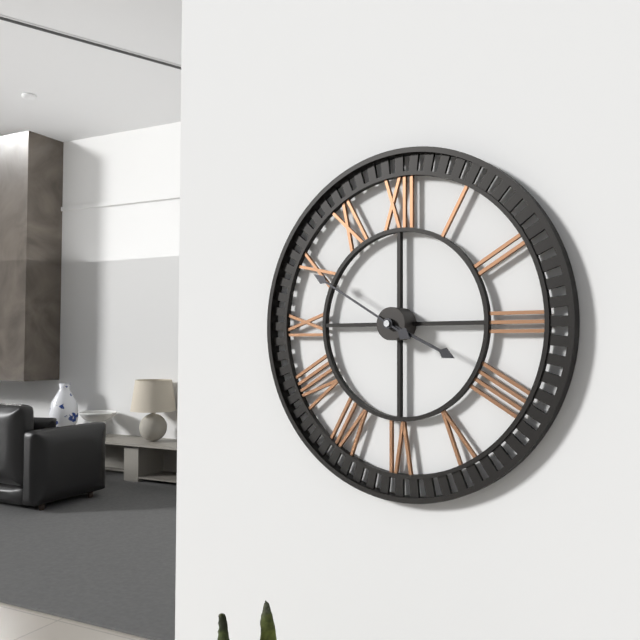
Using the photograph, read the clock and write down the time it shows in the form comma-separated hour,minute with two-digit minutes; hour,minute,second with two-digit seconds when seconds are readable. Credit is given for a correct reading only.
3,50
